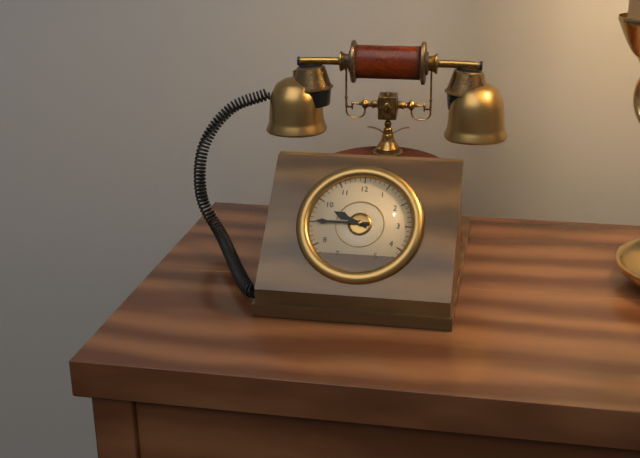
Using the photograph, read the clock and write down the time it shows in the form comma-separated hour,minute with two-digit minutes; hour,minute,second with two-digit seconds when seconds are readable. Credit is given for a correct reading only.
9,45
